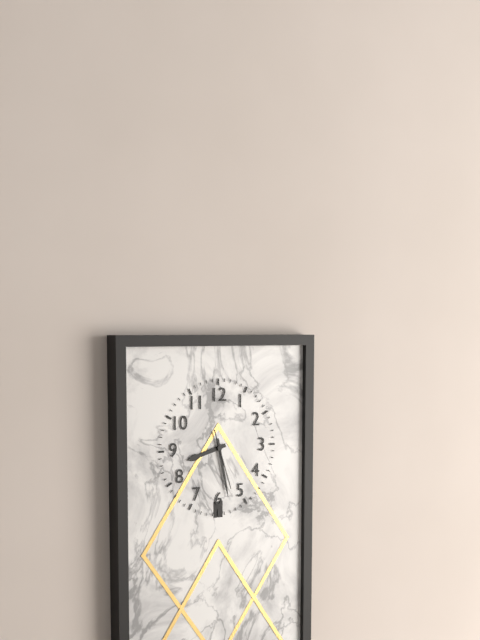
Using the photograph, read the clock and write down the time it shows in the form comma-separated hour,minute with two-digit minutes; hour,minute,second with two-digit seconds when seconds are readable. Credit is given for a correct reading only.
8,28,27
